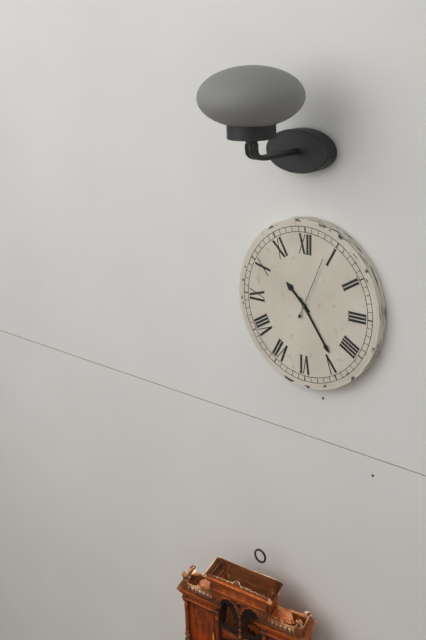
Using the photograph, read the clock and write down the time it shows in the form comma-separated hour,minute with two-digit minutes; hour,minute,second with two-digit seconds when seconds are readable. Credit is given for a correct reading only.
10,24,04
